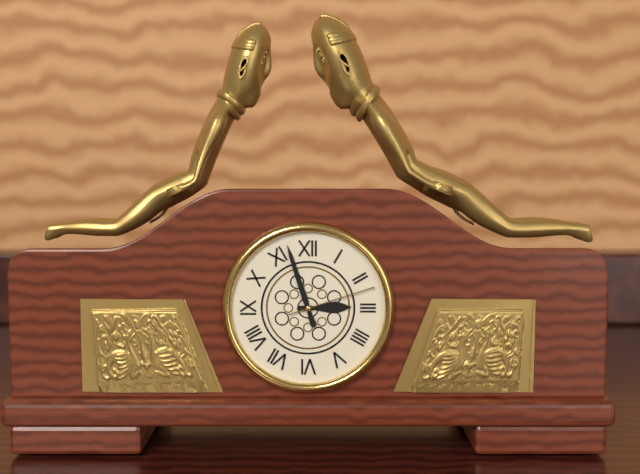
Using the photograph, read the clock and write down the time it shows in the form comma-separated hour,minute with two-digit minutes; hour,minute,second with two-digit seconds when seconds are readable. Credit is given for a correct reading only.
2,57,12
